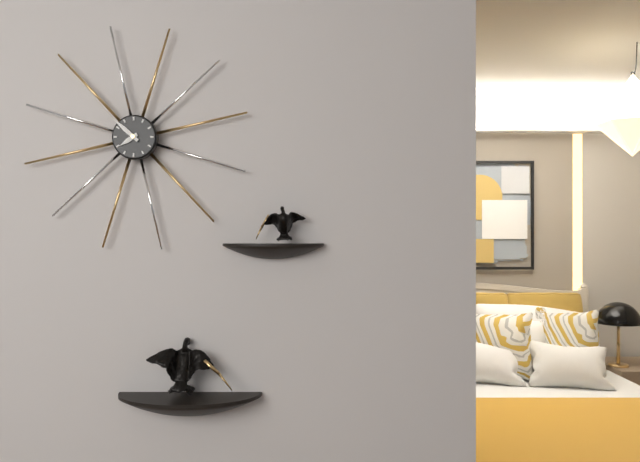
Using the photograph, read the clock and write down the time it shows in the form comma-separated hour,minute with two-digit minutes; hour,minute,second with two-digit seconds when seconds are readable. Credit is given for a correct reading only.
7,52
